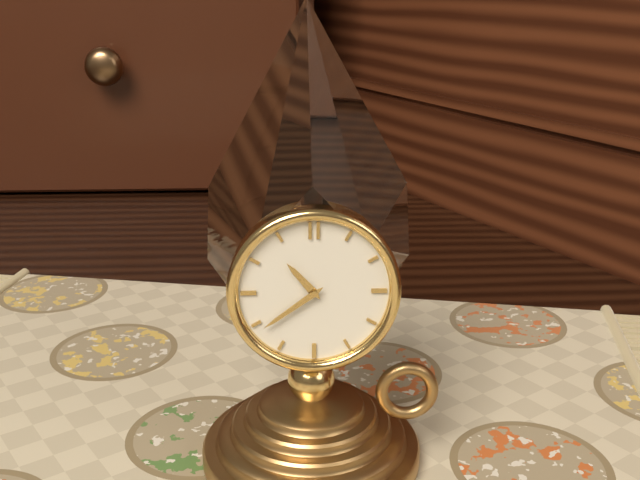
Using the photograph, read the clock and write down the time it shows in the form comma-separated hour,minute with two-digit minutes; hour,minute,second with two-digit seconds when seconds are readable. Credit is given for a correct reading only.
10,39
